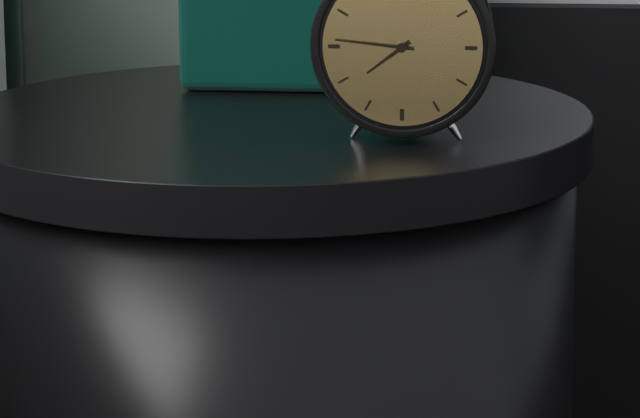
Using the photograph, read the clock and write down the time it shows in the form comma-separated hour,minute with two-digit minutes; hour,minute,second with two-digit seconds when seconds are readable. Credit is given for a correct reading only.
7,46
